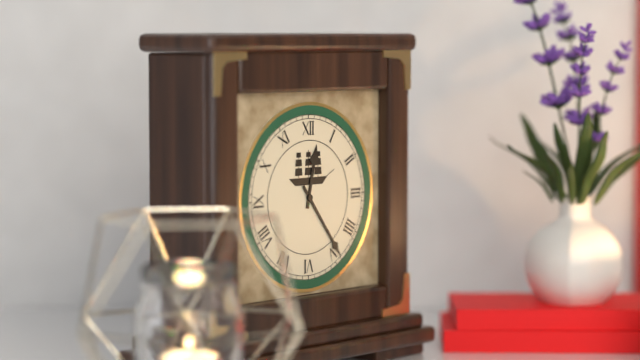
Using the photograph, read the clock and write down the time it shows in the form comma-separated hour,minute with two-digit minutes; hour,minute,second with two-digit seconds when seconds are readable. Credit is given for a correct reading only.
12,24
